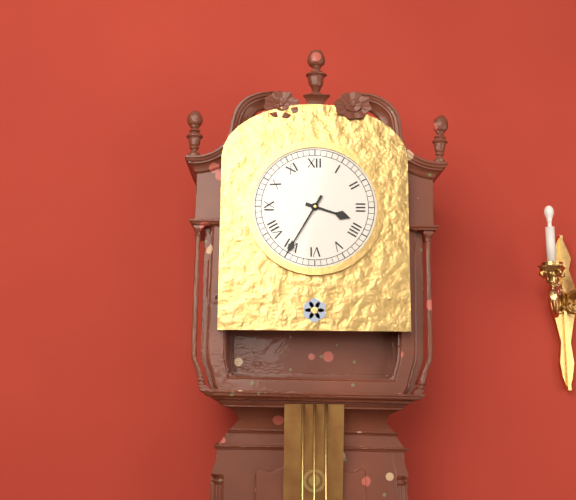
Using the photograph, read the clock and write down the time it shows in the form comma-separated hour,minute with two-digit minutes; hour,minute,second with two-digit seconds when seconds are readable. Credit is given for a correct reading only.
3,35
